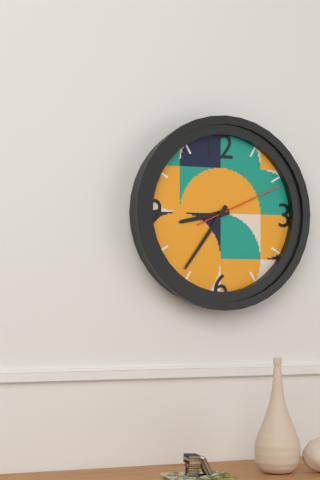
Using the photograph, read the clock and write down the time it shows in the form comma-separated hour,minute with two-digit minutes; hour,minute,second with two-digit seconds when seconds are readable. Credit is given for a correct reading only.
8,36,11
